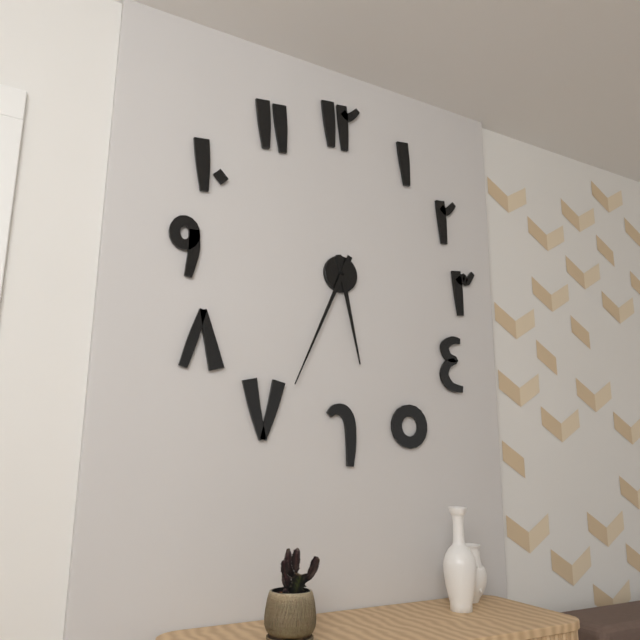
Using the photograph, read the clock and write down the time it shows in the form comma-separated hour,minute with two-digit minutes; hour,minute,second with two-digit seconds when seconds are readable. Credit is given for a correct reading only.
5,34
